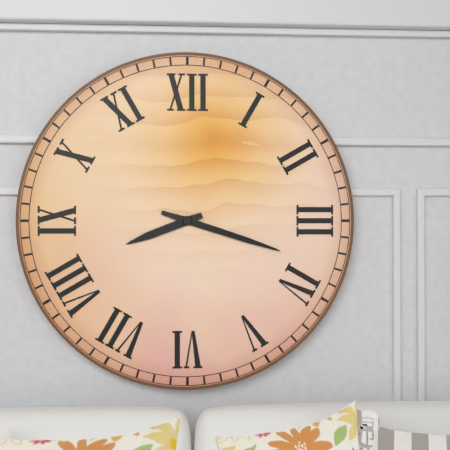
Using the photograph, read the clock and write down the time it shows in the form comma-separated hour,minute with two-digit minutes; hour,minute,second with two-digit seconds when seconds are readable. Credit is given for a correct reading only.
8,18
